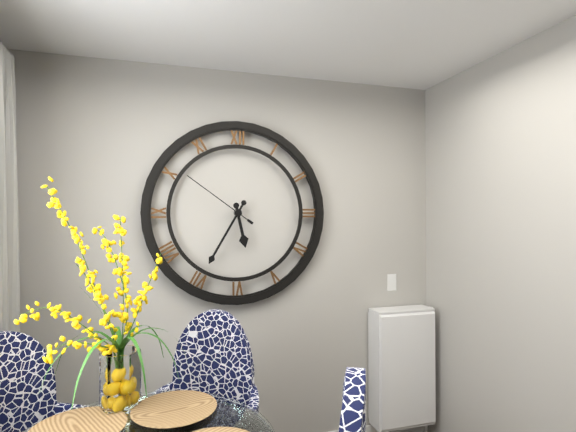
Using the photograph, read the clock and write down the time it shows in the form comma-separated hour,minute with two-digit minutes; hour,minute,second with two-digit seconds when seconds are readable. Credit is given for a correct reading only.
5,35,51
